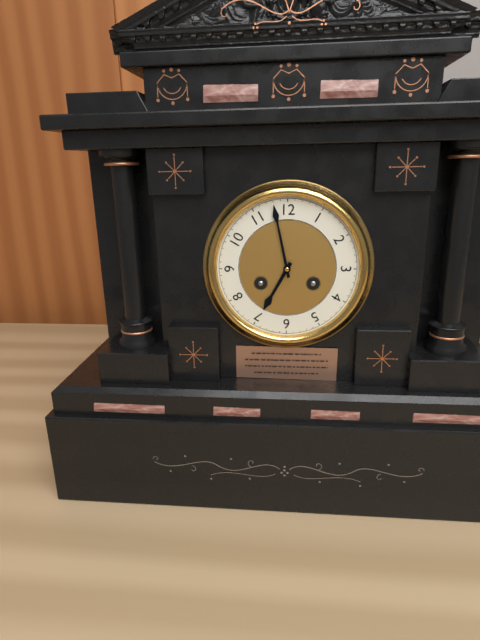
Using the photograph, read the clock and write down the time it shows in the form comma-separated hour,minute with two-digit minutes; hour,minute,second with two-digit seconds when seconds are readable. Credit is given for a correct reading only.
6,58
